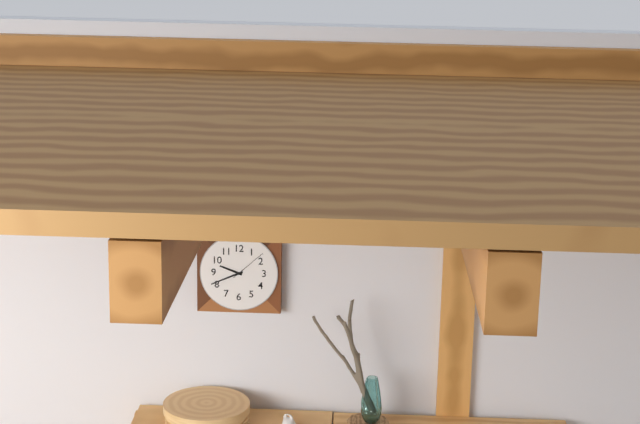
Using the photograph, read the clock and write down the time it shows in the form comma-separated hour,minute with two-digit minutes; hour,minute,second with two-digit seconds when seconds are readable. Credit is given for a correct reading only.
9,41
